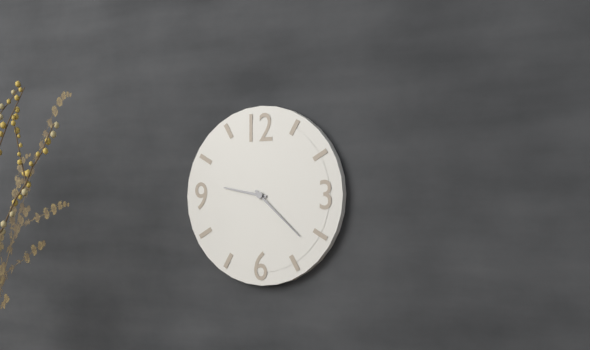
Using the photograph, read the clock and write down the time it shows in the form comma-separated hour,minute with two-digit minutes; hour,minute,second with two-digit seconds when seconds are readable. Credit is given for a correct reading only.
9,22
